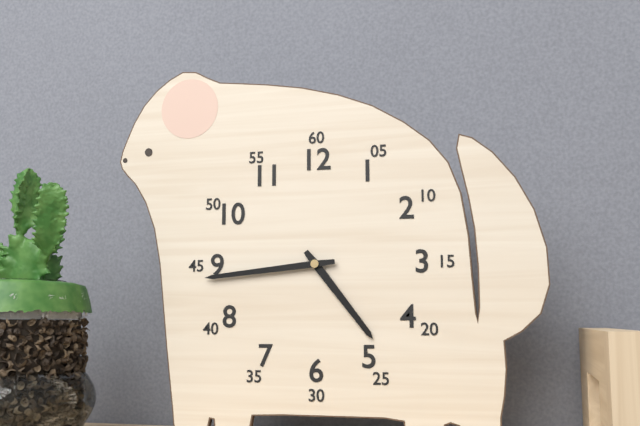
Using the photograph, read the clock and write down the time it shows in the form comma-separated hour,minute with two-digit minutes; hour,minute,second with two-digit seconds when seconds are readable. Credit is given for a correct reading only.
4,44
